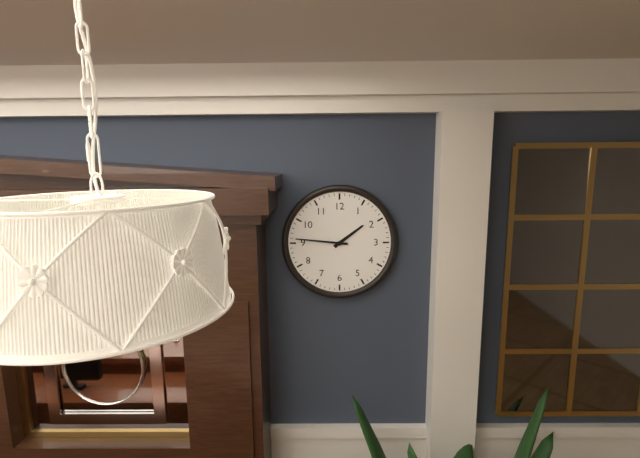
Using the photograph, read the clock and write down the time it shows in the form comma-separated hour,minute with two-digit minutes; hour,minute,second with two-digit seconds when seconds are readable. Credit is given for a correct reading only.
1,46
